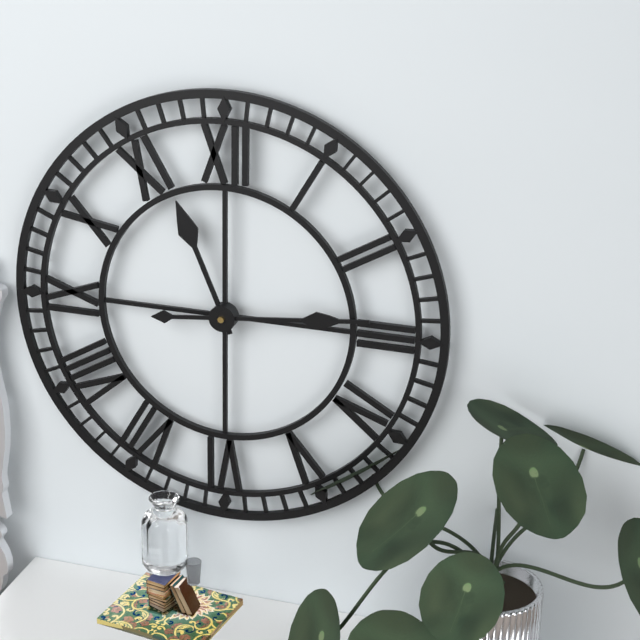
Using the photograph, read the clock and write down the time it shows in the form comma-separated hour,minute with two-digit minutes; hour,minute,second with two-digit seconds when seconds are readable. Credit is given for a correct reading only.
11,14
